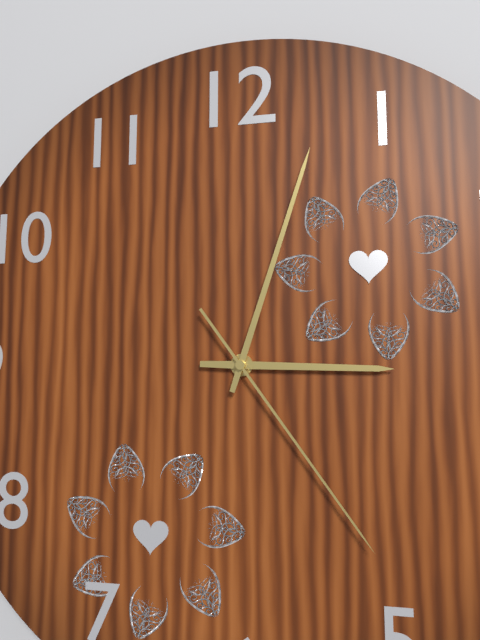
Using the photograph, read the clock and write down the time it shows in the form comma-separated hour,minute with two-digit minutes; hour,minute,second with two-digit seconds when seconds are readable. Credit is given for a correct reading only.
3,03,24
